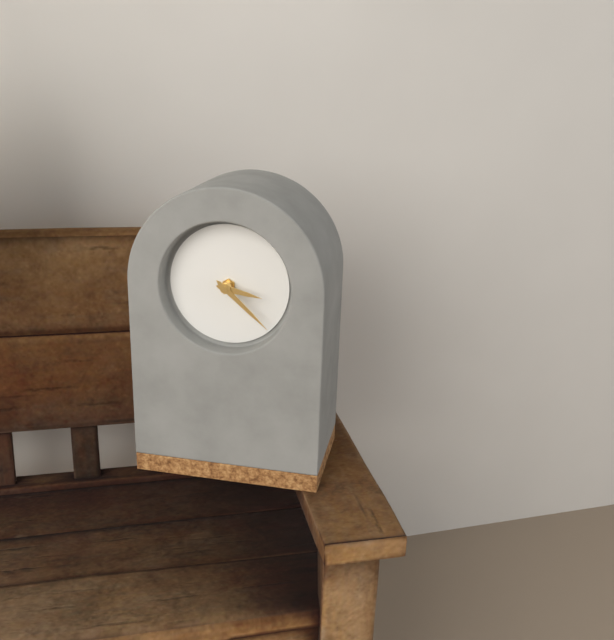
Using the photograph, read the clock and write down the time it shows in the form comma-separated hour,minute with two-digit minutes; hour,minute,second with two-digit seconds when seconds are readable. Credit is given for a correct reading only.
3,22
